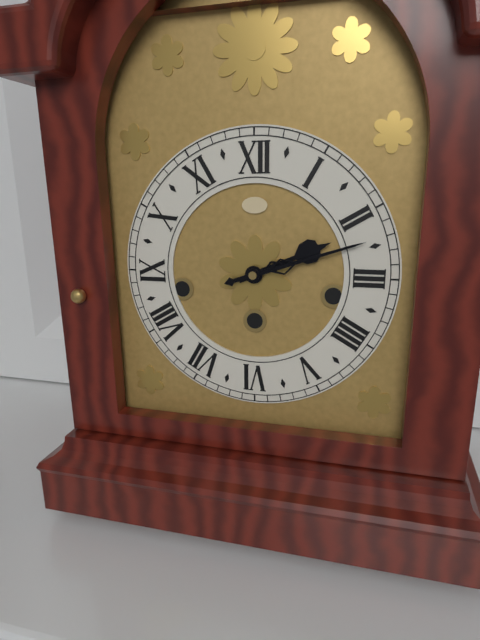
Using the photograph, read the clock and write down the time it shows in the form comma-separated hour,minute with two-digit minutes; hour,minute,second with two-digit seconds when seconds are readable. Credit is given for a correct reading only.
2,12
